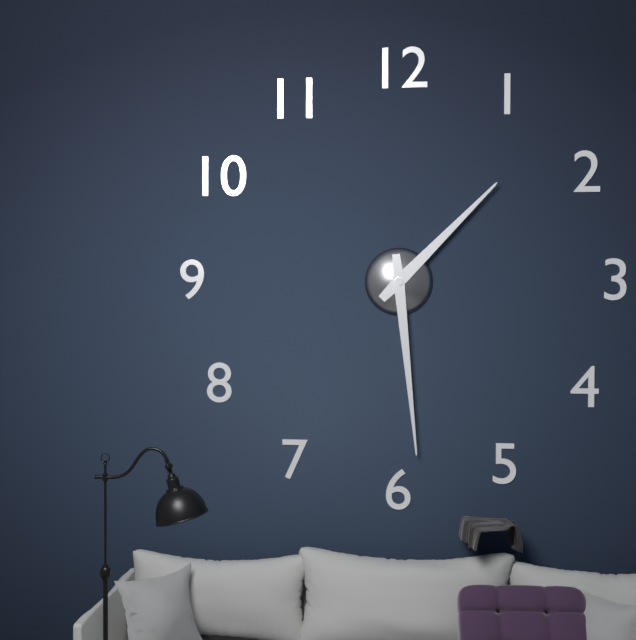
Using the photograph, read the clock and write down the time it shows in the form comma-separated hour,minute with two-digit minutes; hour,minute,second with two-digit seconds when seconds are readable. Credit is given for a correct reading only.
1,29
